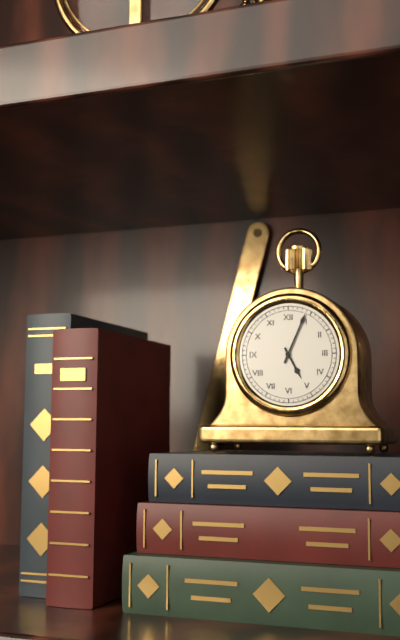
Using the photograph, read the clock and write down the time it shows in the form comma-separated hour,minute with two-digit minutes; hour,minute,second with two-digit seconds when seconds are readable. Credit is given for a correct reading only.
5,04
